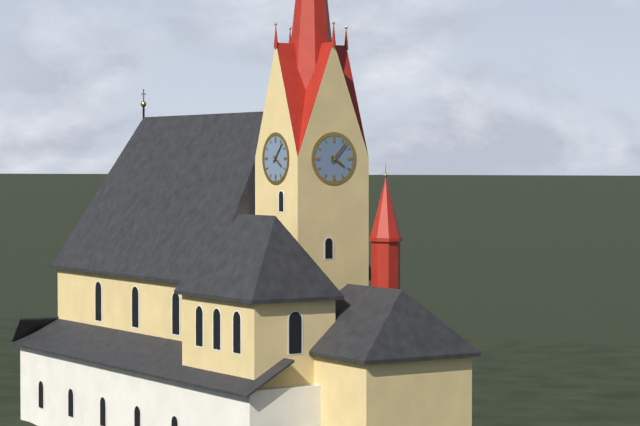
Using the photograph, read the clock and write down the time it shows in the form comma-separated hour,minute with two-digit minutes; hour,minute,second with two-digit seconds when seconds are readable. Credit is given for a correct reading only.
4,07
